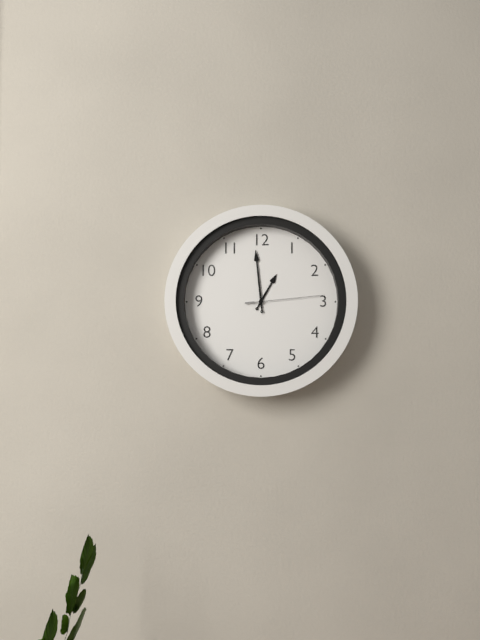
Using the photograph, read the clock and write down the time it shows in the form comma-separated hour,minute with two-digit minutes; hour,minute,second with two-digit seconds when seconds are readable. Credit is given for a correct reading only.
12,59,14
